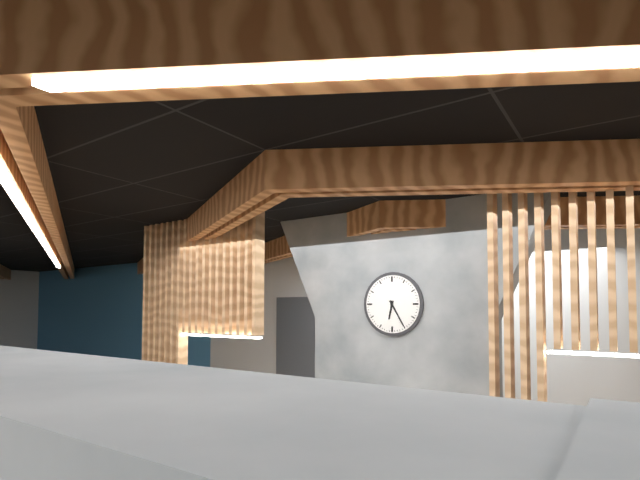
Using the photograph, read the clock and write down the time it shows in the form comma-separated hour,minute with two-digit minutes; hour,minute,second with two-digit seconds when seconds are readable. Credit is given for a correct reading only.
6,25
